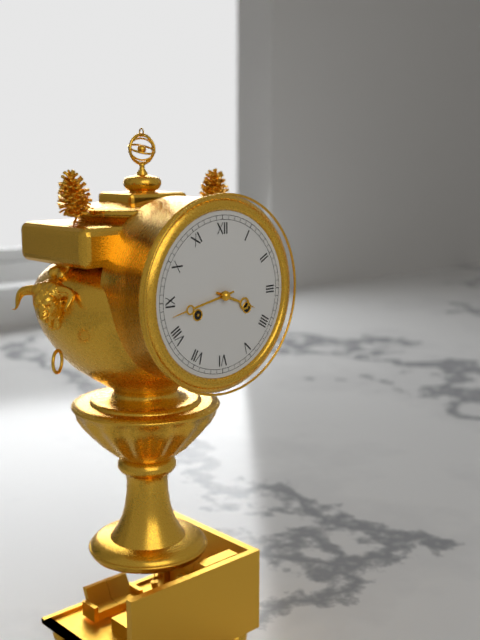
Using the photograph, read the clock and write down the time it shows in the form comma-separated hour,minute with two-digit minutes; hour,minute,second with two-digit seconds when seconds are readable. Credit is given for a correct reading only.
3,43
